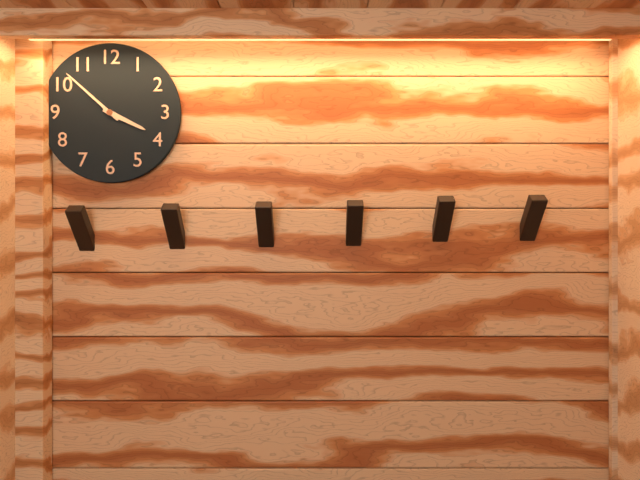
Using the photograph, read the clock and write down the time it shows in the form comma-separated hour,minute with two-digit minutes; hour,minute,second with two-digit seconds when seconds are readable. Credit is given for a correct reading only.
3,52
